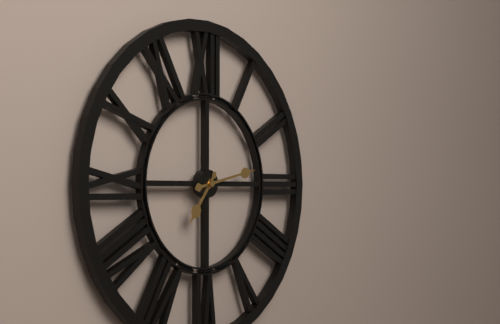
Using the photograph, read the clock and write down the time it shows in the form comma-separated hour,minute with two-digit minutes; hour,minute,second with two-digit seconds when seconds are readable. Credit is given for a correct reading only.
7,13
